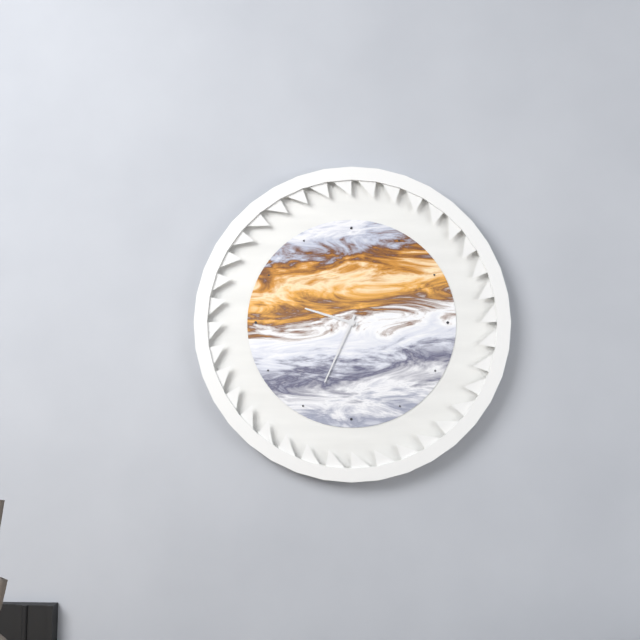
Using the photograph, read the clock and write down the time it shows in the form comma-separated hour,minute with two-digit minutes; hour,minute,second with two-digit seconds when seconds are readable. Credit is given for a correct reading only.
9,34
